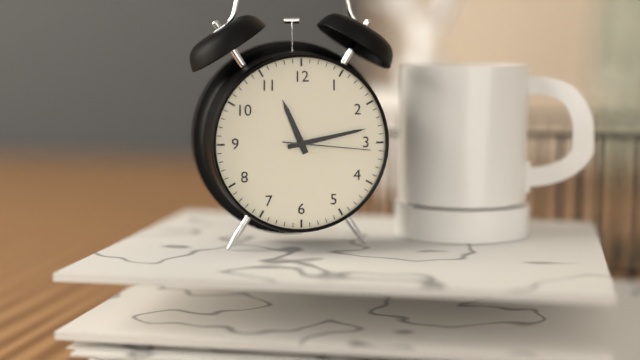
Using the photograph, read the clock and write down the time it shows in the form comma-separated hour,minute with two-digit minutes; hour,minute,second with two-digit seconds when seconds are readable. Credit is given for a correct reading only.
11,13,16
